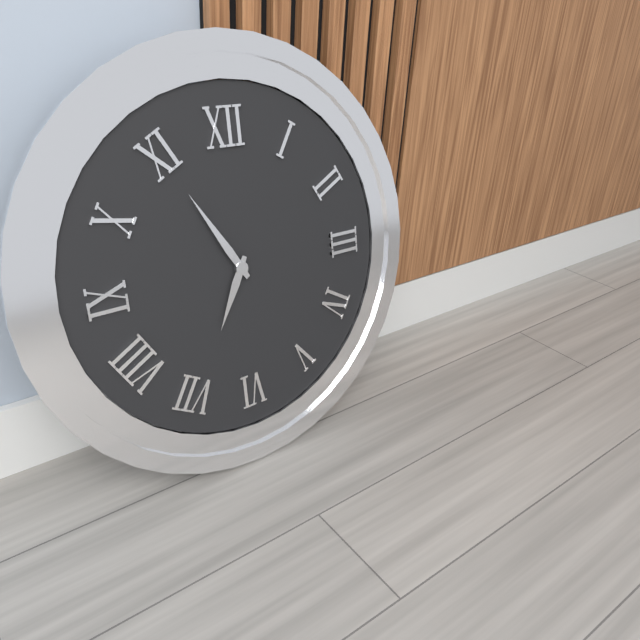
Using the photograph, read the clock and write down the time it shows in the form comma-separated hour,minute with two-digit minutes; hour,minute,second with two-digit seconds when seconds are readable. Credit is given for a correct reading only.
6,55
